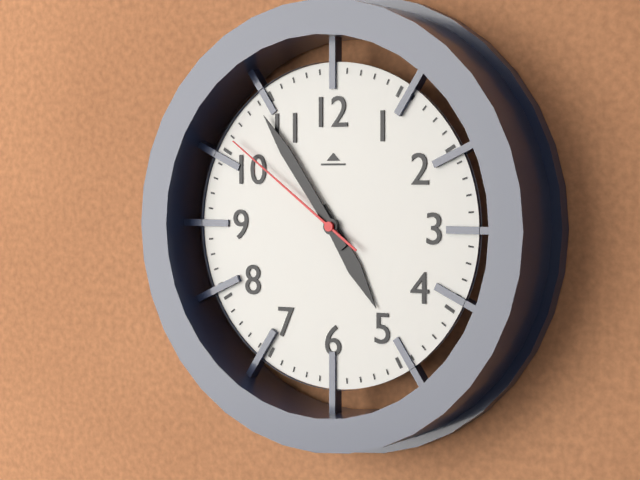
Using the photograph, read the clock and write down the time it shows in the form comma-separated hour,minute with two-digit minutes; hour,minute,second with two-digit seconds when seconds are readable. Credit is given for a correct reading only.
4,54,51
